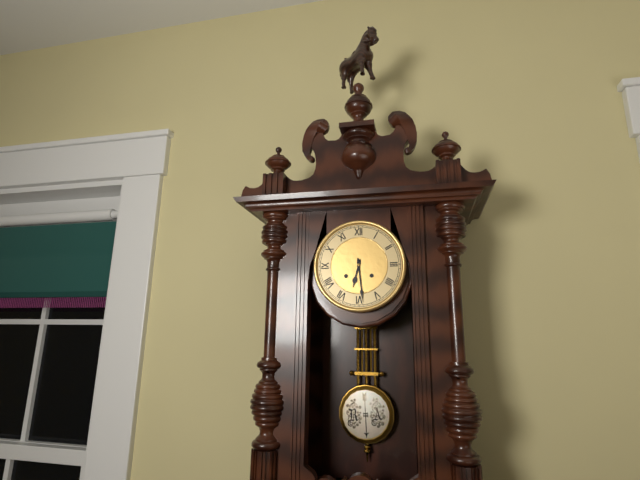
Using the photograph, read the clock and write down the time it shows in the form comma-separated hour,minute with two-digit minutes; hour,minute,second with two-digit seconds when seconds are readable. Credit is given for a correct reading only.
6,29
